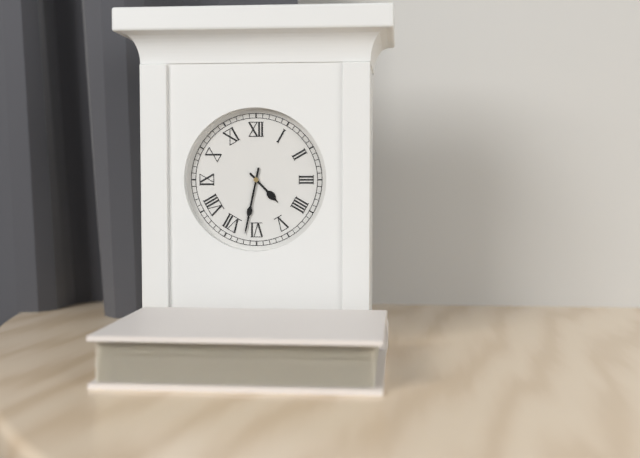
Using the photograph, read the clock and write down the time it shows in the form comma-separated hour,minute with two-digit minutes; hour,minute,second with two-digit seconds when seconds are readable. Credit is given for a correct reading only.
4,32
